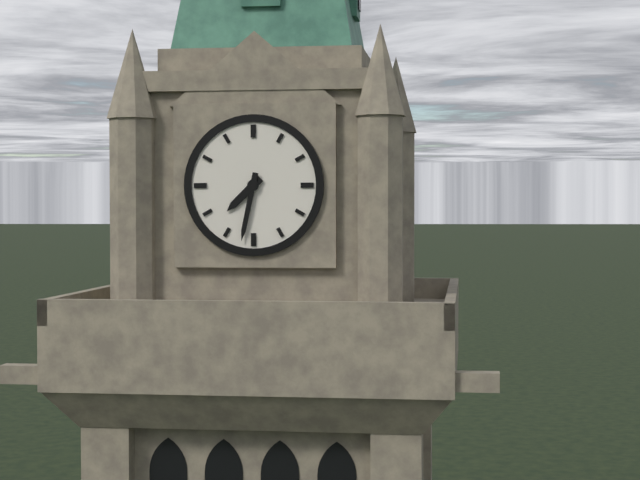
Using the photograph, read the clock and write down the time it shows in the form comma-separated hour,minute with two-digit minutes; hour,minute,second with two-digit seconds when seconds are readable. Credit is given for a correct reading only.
7,32
